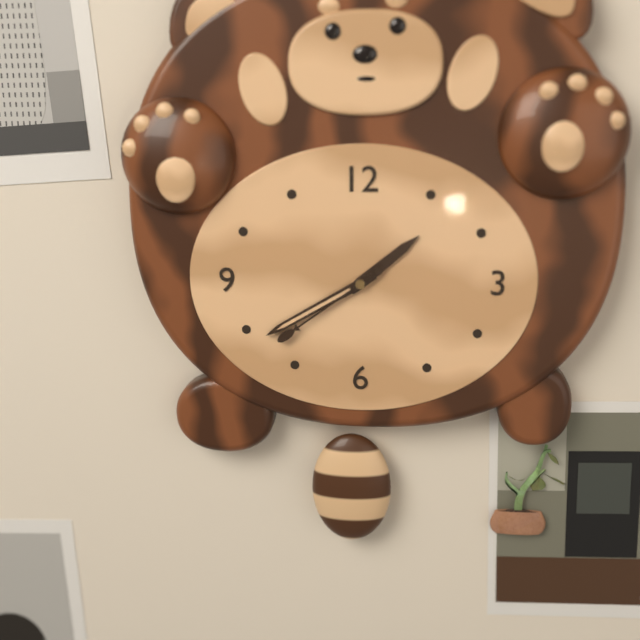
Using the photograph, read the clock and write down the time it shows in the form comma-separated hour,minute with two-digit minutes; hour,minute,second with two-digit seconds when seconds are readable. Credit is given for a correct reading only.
1,40,39
